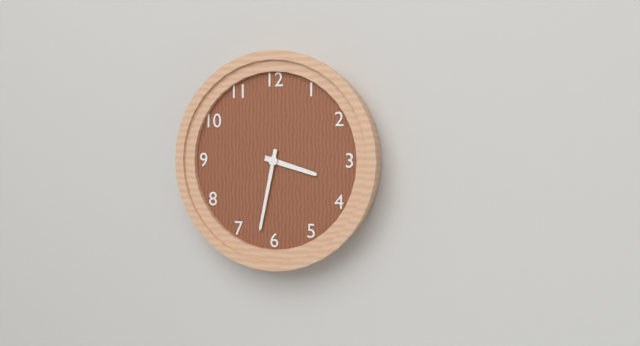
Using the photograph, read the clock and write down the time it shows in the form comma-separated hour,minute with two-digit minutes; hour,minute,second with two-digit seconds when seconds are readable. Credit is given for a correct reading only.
3,32
